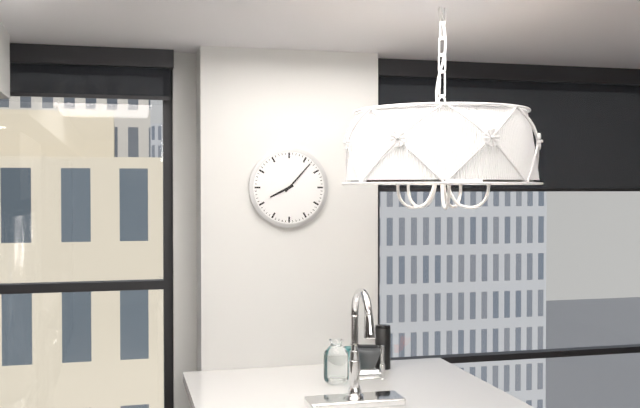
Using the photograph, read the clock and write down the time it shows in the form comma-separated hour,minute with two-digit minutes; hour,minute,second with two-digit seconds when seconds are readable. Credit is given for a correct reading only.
8,07
